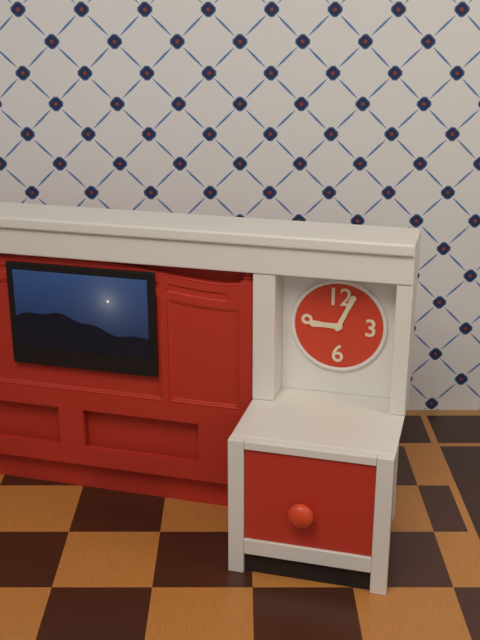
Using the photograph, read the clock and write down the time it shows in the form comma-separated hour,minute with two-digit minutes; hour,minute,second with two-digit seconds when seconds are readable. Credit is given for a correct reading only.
9,04
